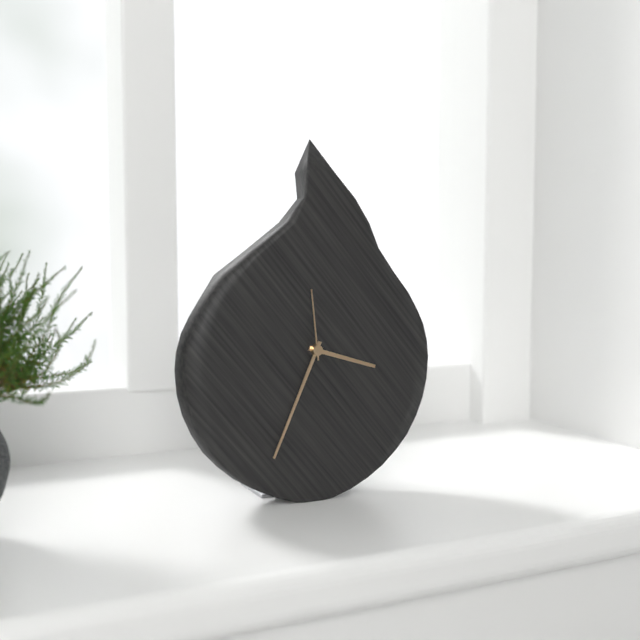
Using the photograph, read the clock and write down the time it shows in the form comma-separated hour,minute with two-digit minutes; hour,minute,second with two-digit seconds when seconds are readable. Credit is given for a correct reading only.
3,34,59
